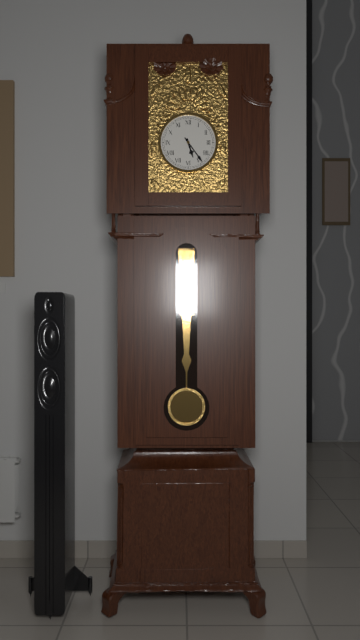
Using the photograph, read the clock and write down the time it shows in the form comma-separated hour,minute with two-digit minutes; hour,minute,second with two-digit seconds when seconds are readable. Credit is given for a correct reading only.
5,24
